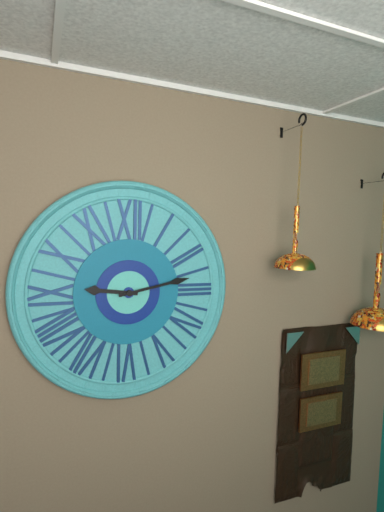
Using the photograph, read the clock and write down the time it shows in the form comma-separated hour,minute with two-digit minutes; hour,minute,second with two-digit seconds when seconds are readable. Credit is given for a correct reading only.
9,13
